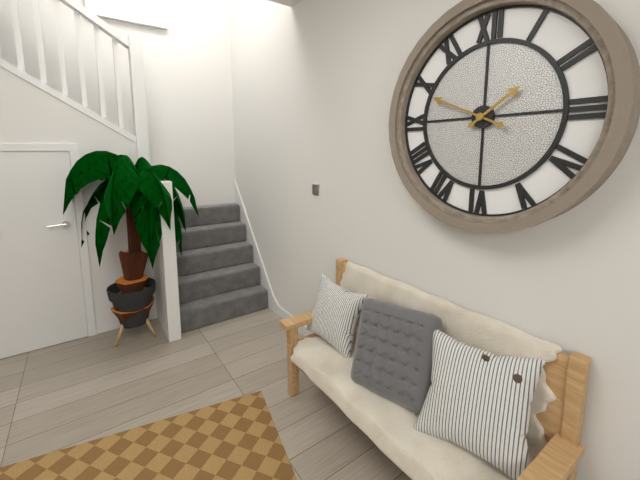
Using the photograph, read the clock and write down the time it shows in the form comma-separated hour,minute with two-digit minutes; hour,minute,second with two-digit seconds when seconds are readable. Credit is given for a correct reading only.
1,49
